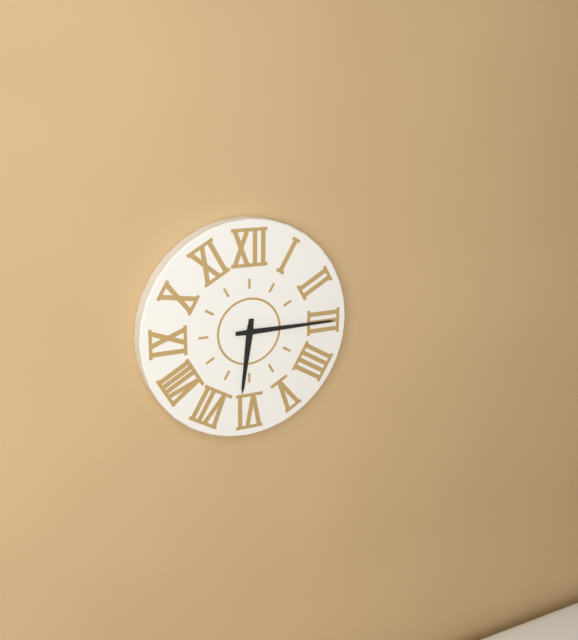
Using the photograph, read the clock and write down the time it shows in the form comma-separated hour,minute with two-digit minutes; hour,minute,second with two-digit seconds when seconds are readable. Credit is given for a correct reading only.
6,15
